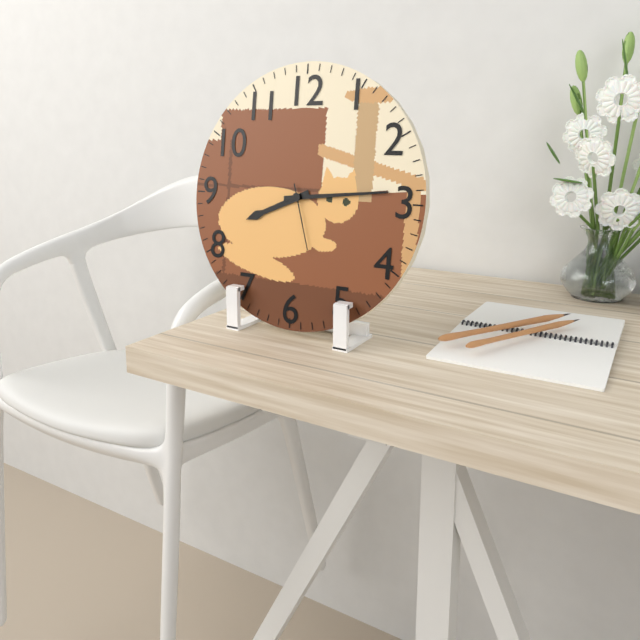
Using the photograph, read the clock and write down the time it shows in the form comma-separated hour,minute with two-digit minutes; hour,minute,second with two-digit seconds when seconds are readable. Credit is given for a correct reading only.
8,14,27
